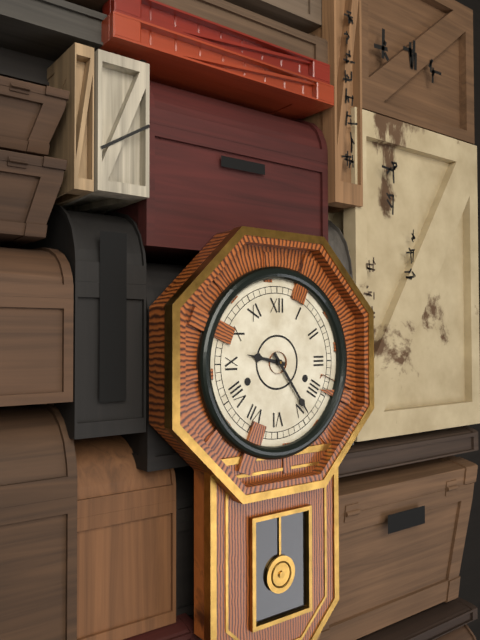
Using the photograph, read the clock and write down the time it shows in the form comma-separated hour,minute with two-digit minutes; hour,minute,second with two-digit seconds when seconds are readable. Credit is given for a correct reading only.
9,24
